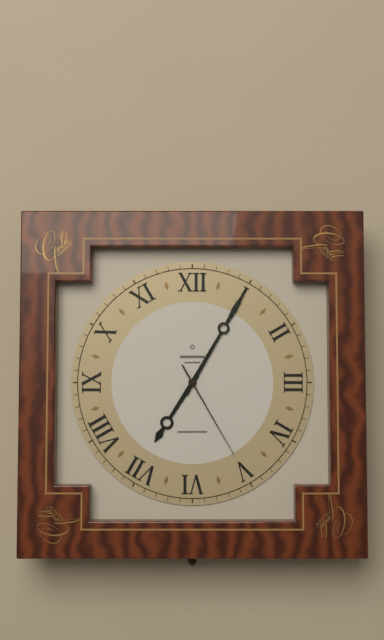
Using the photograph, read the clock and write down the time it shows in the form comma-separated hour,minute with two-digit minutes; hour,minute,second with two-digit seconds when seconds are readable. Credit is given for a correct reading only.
7,05,25
